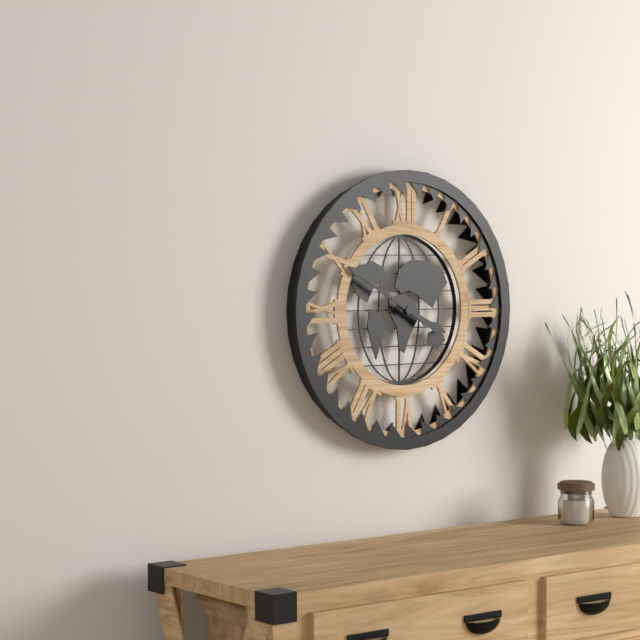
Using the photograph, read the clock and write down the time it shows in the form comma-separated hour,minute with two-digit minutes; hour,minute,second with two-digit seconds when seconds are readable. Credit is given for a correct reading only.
3,50
